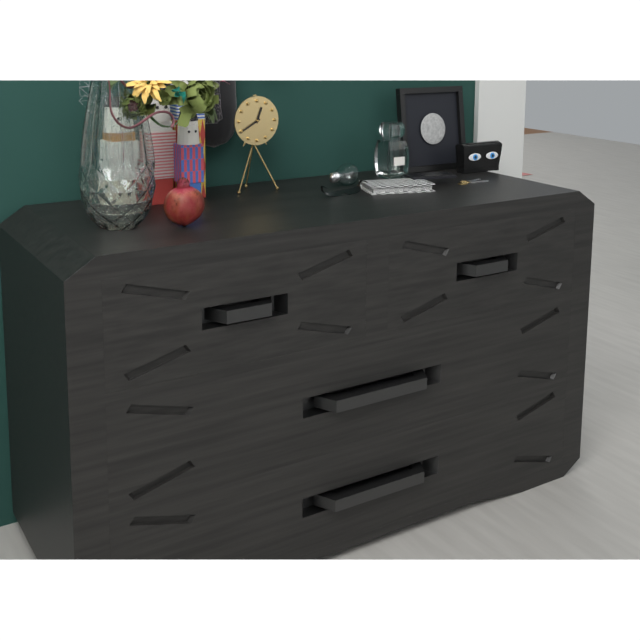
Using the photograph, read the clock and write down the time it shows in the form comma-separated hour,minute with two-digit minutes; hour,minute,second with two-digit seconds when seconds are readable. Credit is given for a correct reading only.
12,40
